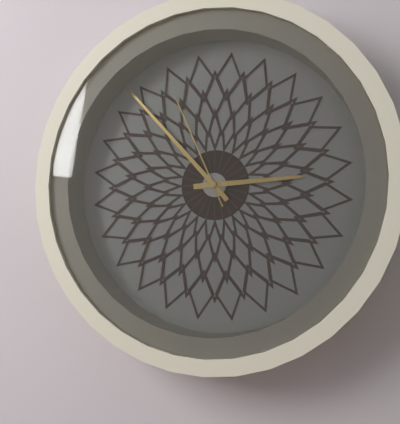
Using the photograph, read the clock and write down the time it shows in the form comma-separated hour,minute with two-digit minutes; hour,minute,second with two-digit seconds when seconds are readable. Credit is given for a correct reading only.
2,53,56
